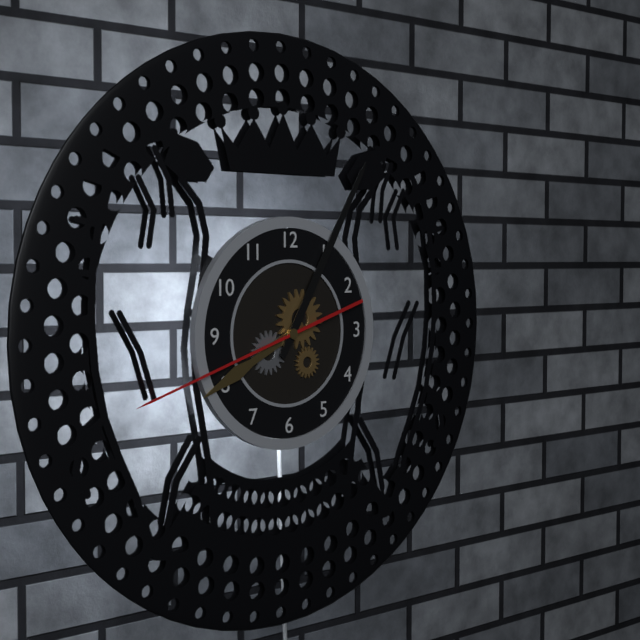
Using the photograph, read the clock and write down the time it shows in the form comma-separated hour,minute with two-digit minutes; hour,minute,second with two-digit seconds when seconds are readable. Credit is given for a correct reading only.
8,05,42
